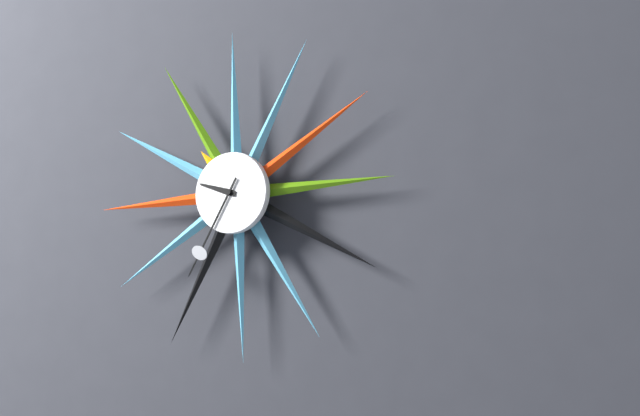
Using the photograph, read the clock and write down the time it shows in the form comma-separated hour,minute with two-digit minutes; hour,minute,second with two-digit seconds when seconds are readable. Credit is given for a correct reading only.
9,35
